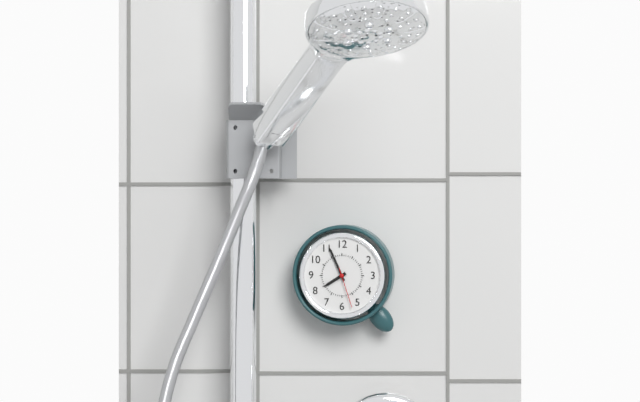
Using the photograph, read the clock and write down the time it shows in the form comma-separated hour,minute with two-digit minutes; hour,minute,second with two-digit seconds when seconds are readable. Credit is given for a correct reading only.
7,56
